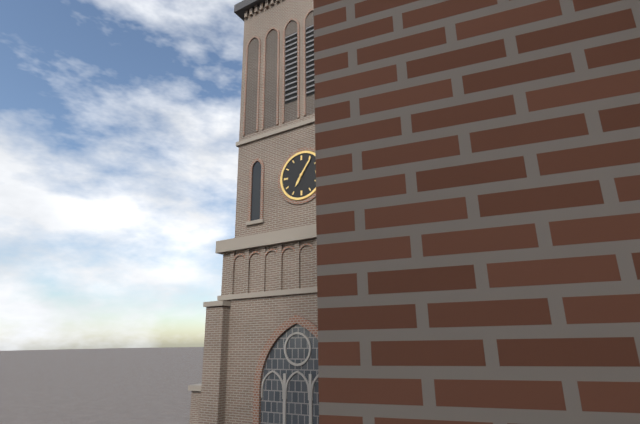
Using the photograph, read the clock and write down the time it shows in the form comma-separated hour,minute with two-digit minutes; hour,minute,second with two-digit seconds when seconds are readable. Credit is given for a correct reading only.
7,06
